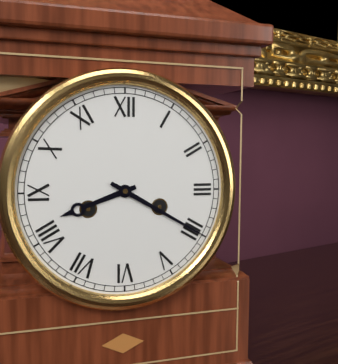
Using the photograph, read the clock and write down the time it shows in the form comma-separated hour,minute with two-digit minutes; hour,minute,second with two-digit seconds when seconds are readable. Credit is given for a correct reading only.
8,20
